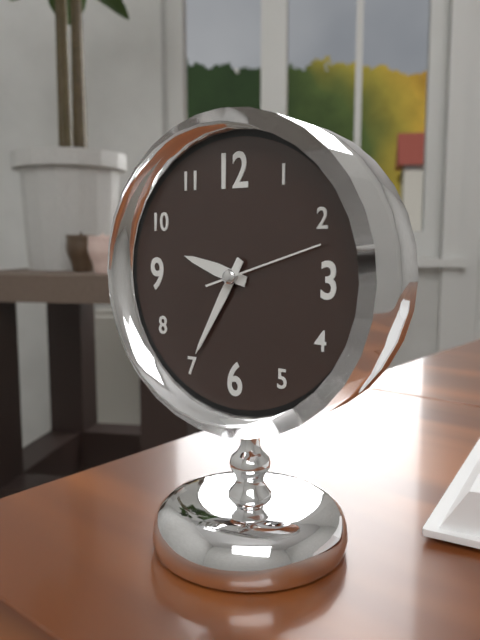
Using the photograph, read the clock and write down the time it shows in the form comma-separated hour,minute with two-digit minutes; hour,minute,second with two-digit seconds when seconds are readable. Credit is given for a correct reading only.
9,35,12
